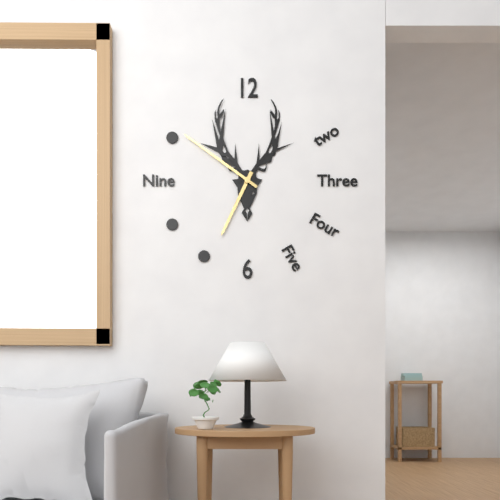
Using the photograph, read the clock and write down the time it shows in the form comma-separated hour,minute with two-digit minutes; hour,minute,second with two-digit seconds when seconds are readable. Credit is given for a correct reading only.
6,51
